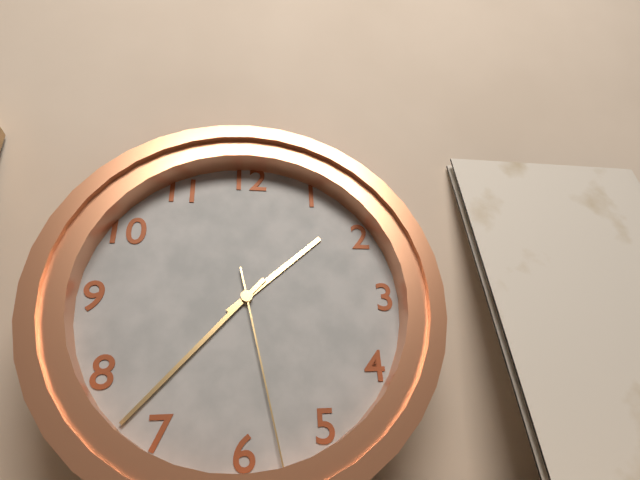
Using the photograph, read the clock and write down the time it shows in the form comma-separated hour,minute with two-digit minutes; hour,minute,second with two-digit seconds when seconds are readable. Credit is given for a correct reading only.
1,37,28
